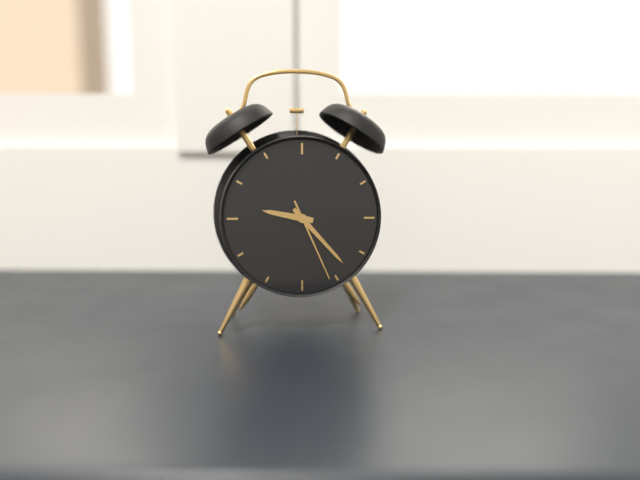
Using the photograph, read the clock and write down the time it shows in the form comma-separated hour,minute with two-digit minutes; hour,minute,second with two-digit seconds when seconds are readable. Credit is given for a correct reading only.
9,23,26
